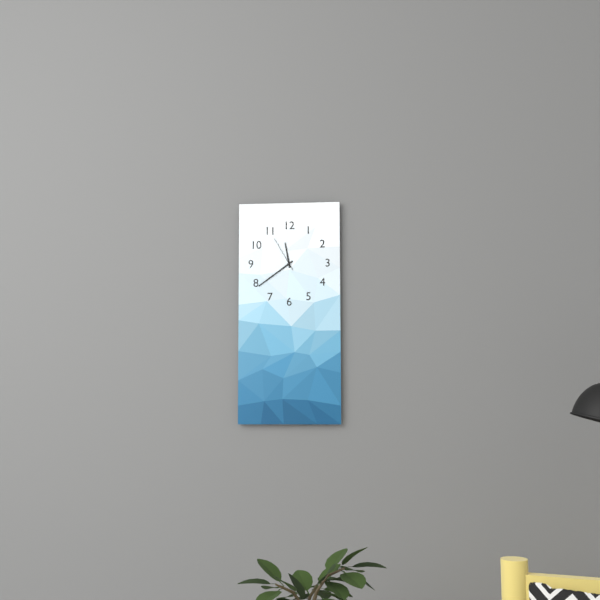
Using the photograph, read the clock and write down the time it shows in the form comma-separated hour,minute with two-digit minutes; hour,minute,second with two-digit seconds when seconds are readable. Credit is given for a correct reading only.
11,39
